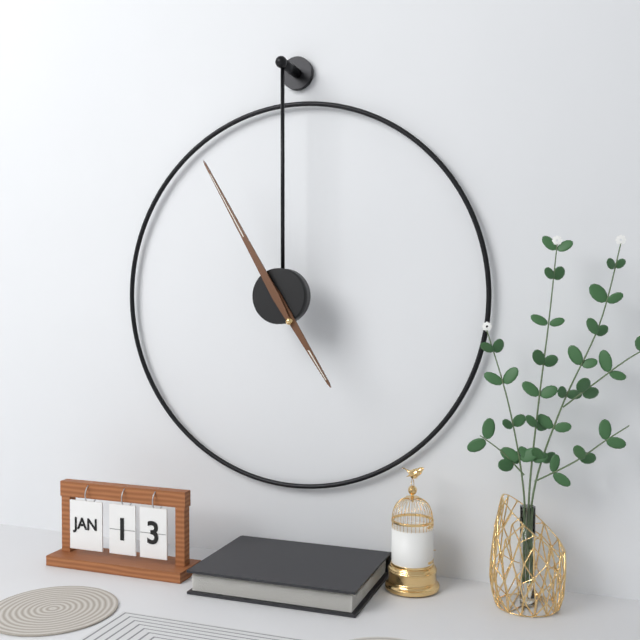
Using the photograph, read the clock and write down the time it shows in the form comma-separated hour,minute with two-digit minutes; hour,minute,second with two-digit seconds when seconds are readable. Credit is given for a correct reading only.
4,55
